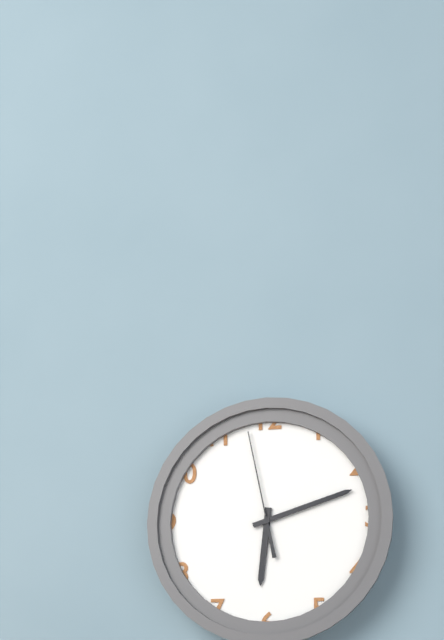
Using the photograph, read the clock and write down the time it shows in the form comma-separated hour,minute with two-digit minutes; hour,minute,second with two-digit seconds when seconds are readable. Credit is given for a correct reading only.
6,12,58
